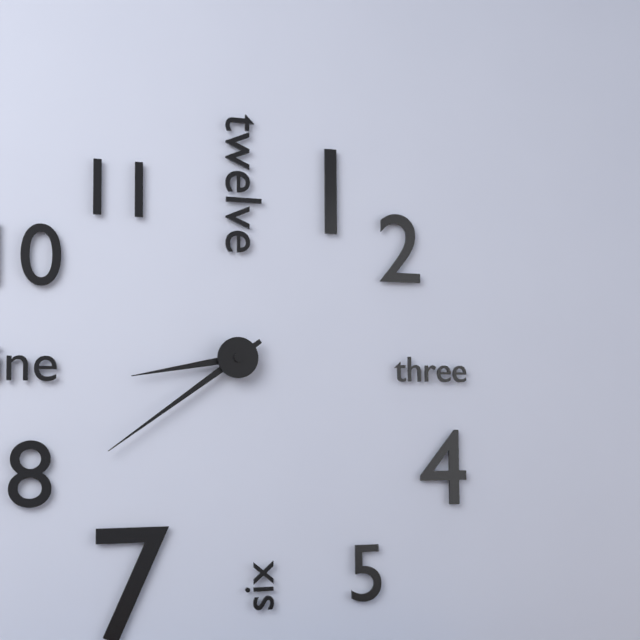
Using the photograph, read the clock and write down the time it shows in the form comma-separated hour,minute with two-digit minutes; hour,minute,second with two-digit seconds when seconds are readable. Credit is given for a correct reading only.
8,39
